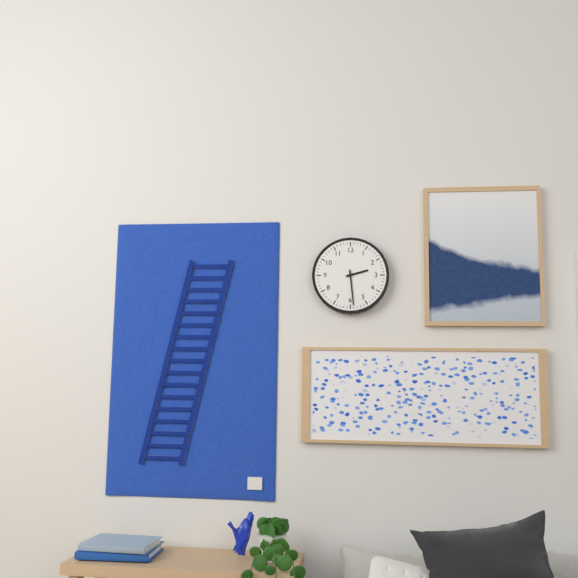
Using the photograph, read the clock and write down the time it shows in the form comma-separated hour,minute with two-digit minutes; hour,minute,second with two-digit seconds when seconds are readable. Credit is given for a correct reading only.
2,29
